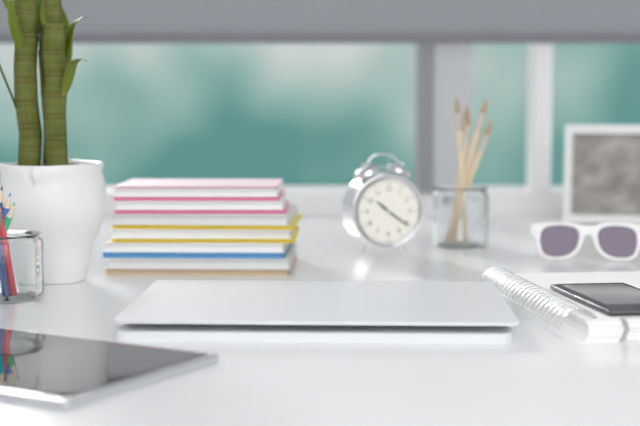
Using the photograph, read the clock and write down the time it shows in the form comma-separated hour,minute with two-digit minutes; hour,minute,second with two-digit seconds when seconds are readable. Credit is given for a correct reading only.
10,21
